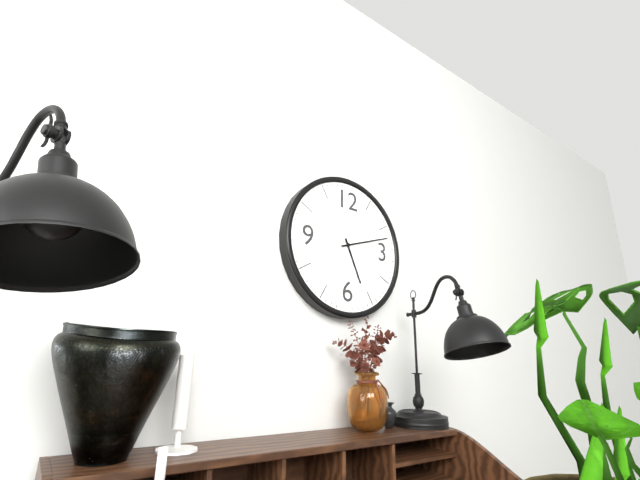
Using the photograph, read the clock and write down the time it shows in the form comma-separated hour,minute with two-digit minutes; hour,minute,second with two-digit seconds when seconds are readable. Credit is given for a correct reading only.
5,12
